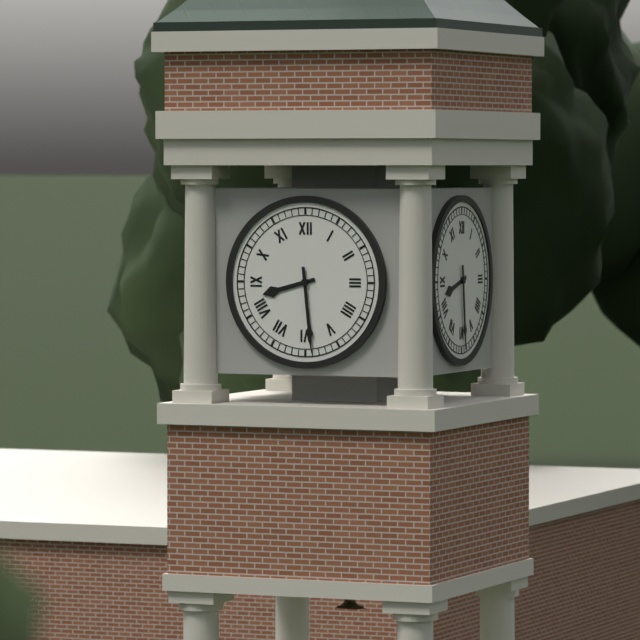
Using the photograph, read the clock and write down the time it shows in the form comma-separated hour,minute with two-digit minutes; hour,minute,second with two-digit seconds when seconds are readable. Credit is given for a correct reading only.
8,29
